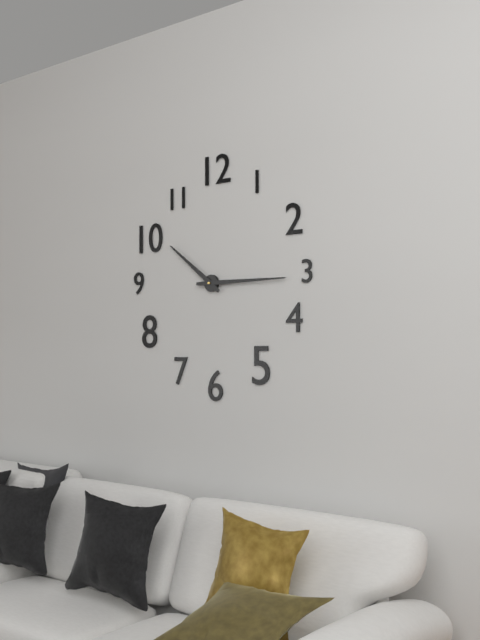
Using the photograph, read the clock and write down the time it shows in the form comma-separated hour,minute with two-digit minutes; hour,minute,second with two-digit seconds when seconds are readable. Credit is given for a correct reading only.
10,15
